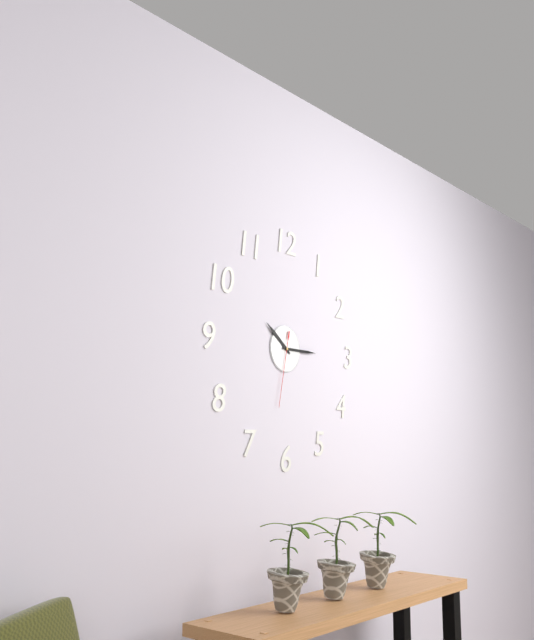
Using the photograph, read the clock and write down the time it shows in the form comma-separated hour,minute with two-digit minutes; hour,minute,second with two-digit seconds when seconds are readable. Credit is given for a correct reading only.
10,15,32
